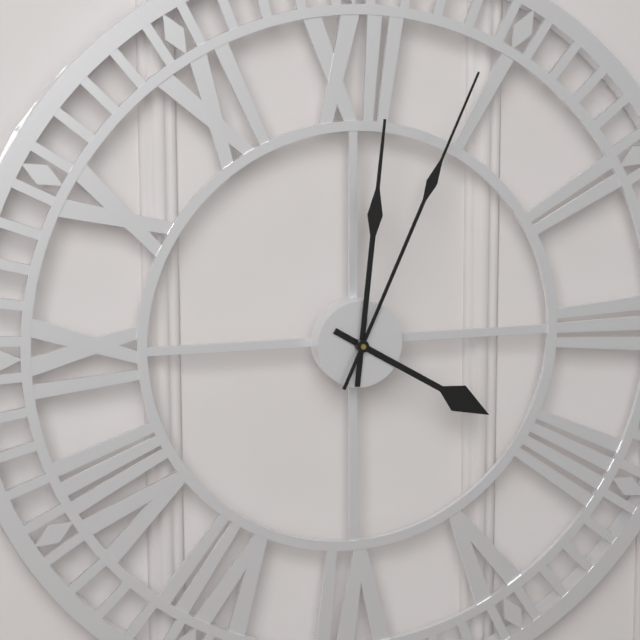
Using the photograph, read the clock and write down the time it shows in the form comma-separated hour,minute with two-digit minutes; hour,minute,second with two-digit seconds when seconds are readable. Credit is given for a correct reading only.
4,01,04
